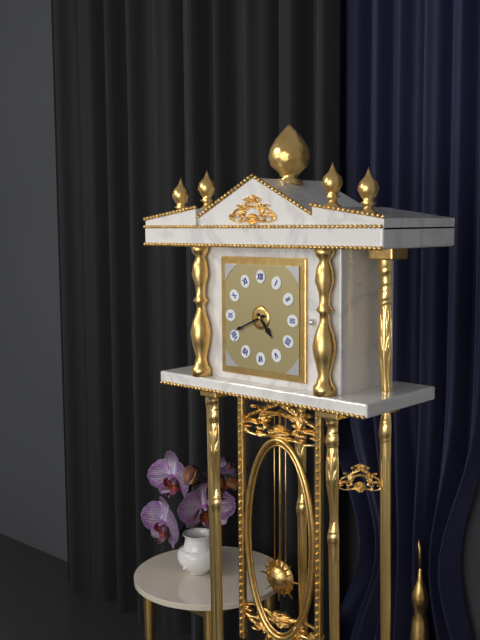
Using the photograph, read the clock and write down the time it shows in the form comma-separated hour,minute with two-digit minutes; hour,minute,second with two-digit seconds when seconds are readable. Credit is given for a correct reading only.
4,41
